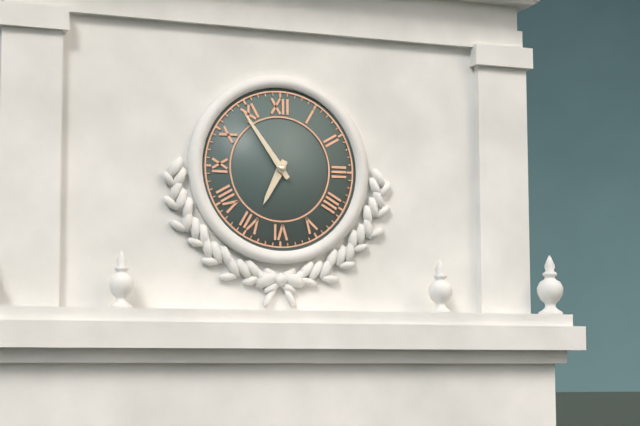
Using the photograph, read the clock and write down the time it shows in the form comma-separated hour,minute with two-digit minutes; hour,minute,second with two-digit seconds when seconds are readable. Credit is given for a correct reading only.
6,54
